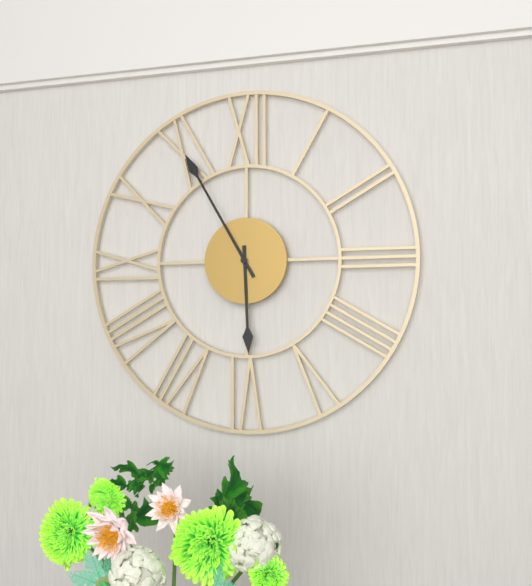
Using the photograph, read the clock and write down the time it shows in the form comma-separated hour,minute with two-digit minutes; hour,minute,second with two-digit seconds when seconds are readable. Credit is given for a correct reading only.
5,55
